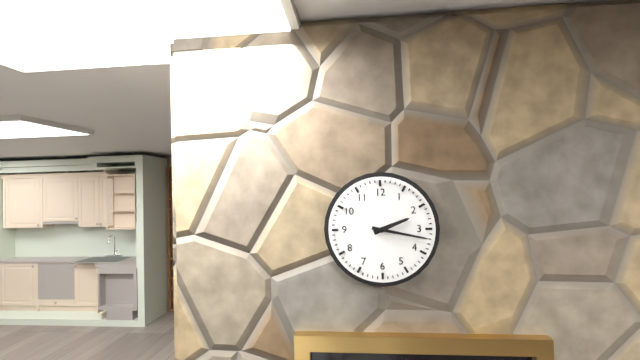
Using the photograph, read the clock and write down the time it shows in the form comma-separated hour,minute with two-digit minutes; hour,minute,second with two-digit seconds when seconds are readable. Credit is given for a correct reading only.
2,17
